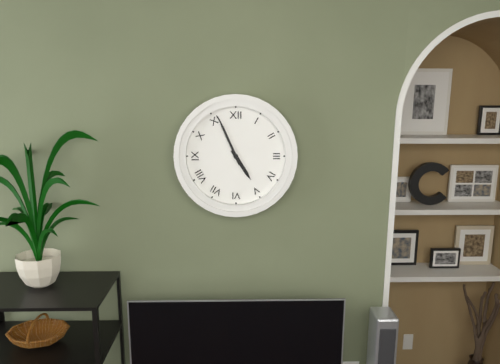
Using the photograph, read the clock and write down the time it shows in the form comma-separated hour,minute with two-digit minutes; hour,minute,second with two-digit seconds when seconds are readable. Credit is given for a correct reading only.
4,56
